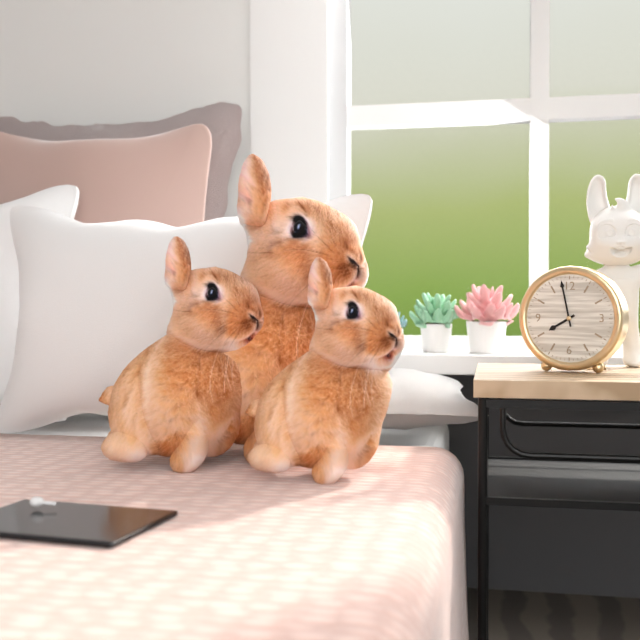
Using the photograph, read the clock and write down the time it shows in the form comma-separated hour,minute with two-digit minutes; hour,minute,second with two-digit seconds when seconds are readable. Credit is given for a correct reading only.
7,58
